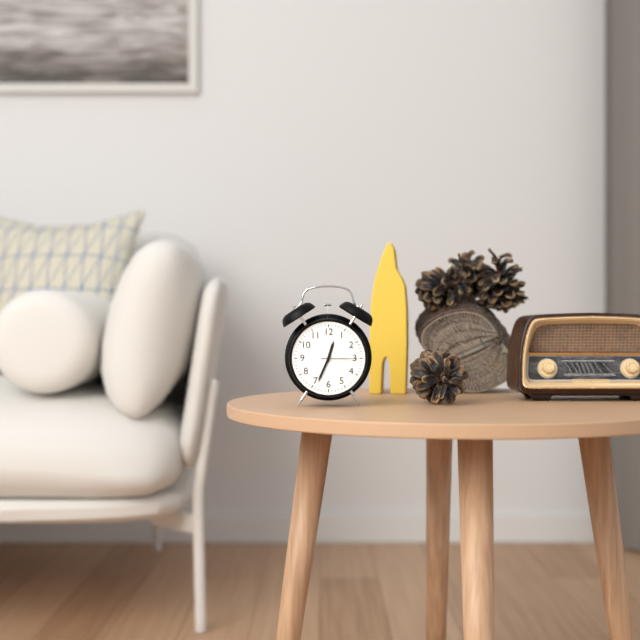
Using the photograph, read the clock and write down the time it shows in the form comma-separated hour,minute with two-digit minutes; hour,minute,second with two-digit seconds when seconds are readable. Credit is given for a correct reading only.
12,34
